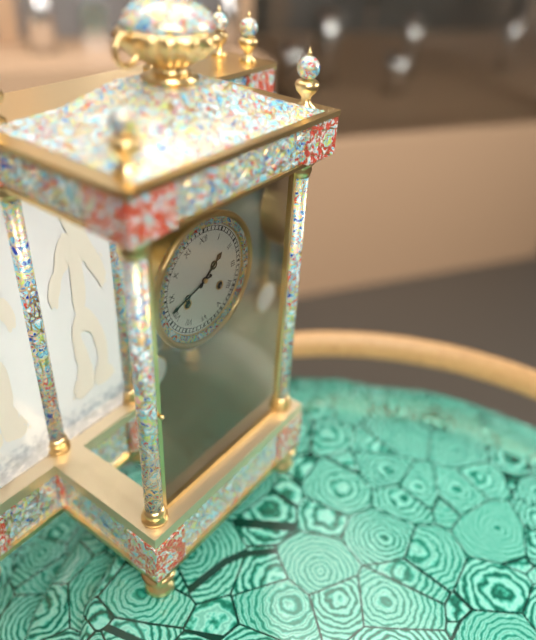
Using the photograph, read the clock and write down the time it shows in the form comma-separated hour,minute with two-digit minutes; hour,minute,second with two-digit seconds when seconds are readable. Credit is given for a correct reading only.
1,42
